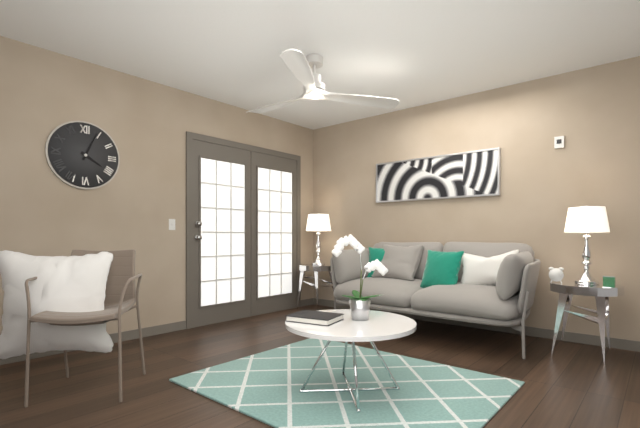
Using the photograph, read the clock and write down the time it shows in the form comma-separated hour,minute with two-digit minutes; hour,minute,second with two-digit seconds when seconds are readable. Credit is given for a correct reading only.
4,04
